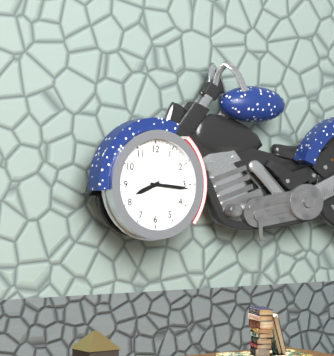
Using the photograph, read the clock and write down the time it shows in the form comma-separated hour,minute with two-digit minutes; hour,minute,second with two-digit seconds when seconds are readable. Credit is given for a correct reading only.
8,16
